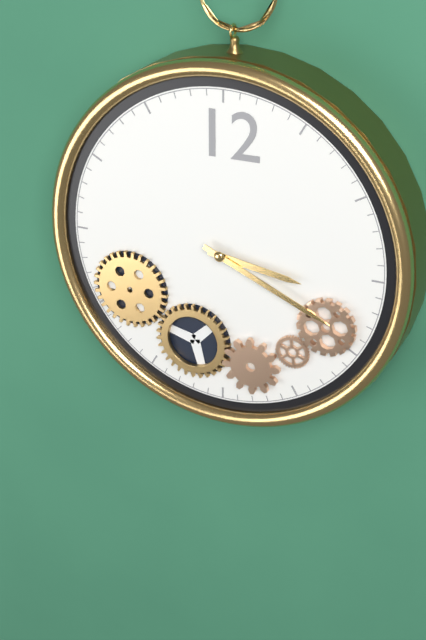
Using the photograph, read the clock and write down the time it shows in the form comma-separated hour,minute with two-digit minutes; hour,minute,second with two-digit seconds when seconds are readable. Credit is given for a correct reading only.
3,19
